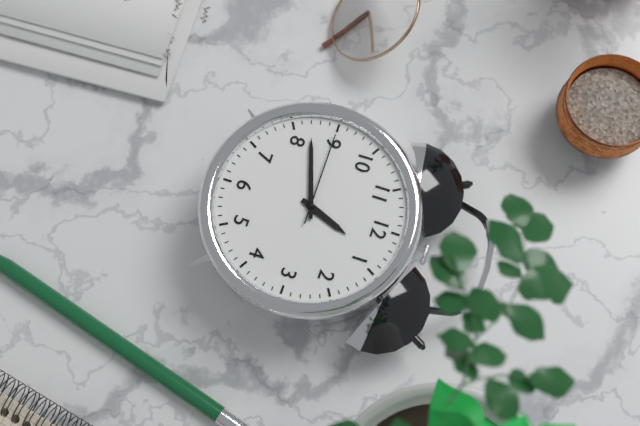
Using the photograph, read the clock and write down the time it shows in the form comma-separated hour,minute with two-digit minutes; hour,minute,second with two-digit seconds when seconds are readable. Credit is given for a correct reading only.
12,42,45
